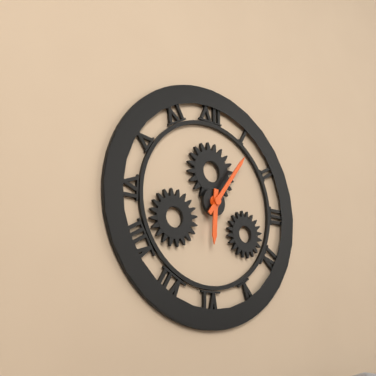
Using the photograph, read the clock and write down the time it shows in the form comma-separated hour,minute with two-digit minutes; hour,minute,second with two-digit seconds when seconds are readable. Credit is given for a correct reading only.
6,06
